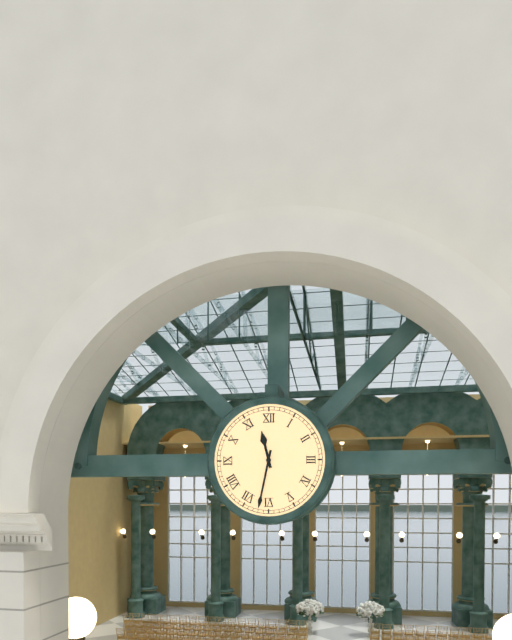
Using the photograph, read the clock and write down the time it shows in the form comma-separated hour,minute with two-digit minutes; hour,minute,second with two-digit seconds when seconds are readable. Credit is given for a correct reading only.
11,32
